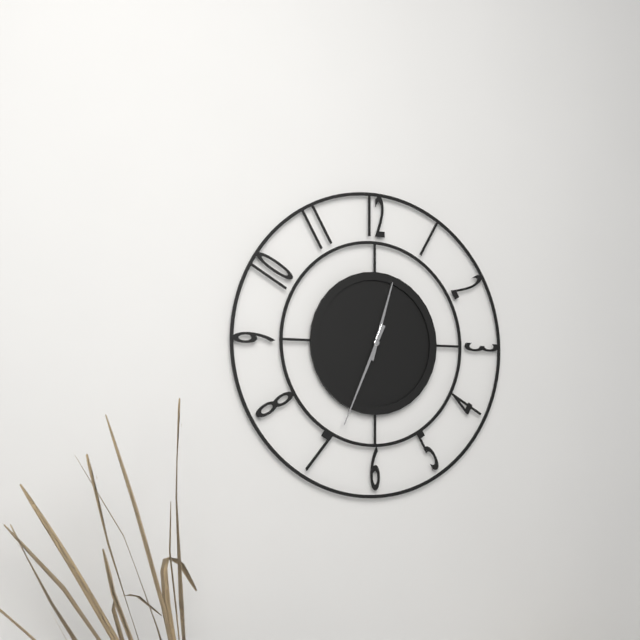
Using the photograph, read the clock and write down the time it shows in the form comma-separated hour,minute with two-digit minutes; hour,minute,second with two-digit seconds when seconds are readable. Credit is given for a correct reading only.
12,34
